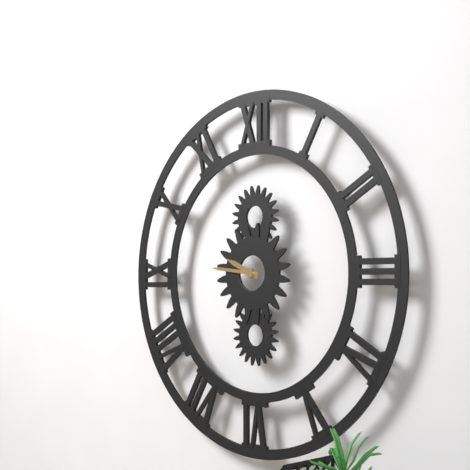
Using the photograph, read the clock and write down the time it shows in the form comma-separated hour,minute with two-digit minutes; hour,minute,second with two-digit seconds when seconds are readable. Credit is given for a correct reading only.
9,46
